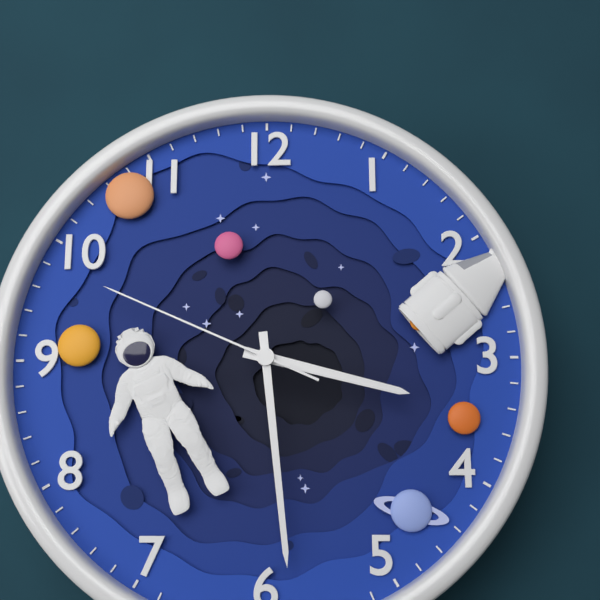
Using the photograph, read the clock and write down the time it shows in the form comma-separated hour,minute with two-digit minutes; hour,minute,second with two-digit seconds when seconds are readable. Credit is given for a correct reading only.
3,29,49
